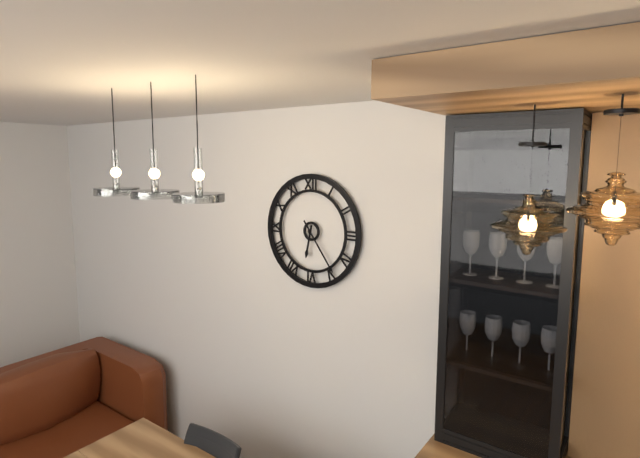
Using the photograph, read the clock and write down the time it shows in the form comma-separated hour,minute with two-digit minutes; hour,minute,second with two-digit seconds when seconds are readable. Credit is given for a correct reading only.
6,24
